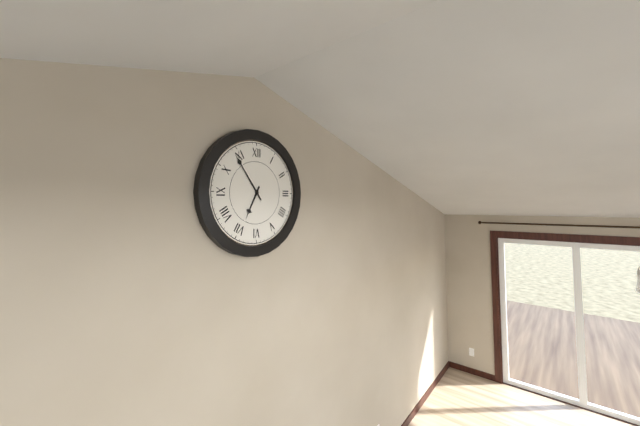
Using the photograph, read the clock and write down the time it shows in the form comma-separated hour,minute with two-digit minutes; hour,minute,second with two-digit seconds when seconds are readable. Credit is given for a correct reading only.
6,54
